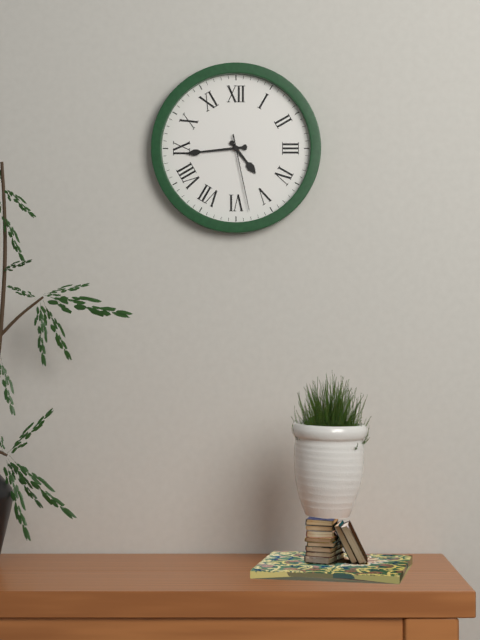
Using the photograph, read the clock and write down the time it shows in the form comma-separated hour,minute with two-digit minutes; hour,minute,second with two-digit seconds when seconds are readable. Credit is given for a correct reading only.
4,44,28
